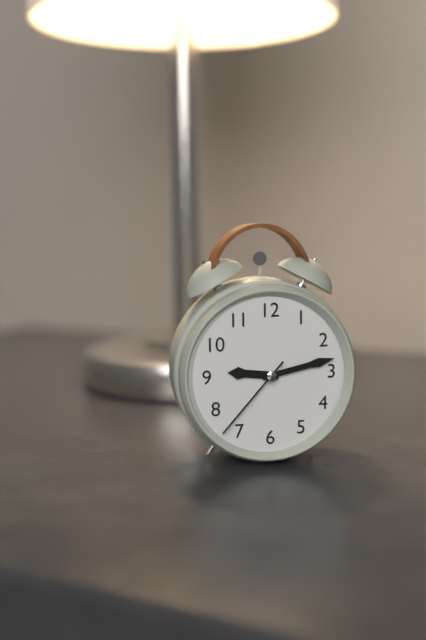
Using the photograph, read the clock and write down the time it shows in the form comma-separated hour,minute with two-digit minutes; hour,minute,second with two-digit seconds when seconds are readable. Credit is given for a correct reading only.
9,13,37
